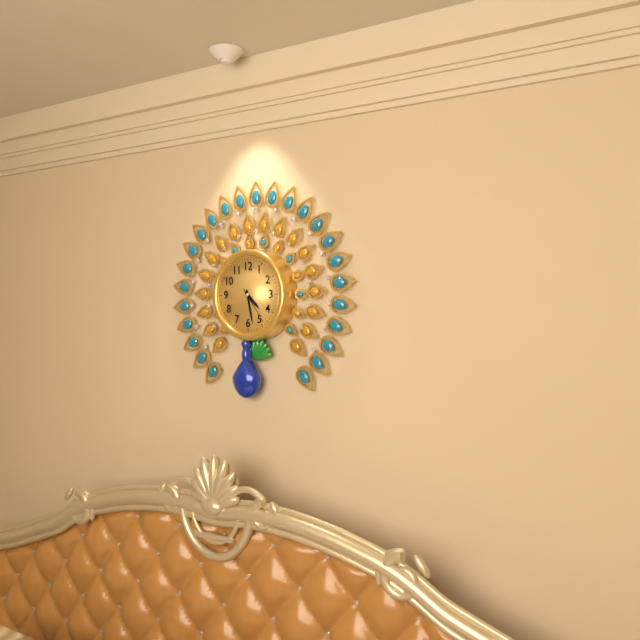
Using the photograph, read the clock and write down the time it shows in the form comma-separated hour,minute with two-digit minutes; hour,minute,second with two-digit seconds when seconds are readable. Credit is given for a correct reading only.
4,28
